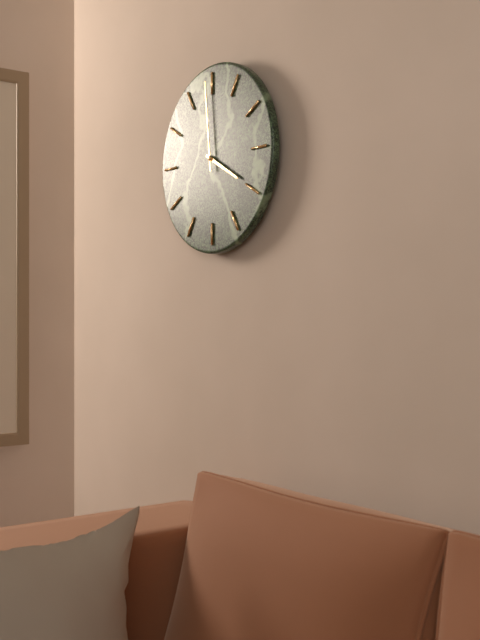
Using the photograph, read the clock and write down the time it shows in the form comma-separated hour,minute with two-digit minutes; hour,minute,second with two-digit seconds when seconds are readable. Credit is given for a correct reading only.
3,59
